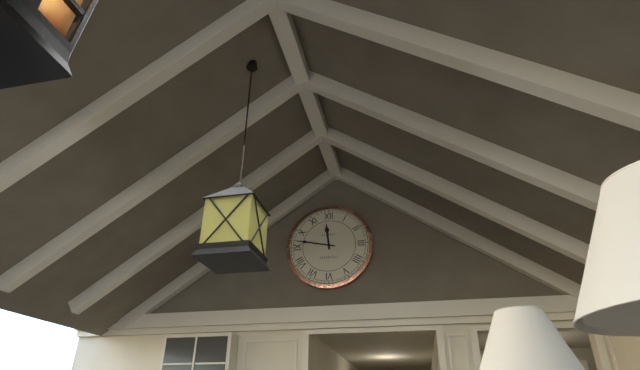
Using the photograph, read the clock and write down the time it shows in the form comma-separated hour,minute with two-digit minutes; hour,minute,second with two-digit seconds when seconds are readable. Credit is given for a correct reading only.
11,47
